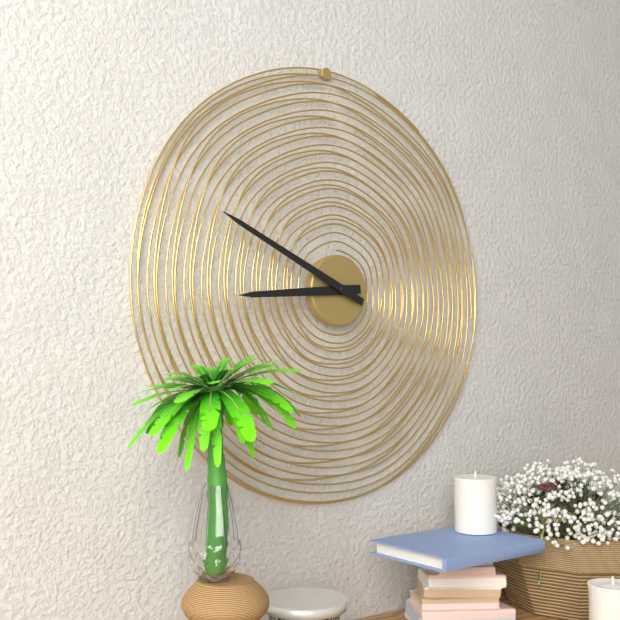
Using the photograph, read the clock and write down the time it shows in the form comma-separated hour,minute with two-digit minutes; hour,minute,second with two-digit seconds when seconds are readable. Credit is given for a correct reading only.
8,49
